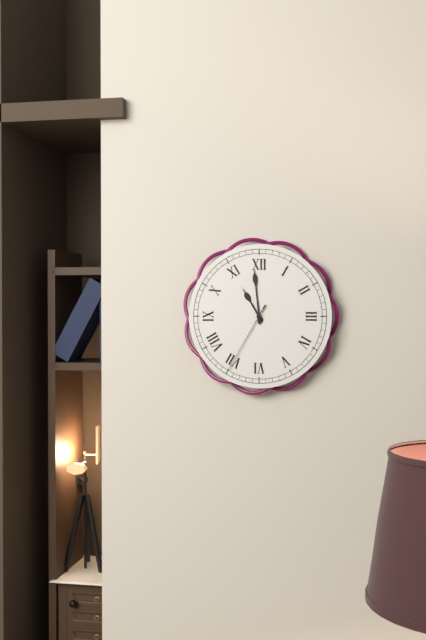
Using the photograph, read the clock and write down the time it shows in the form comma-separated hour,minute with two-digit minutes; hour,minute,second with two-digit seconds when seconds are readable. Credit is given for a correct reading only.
10,59,35
